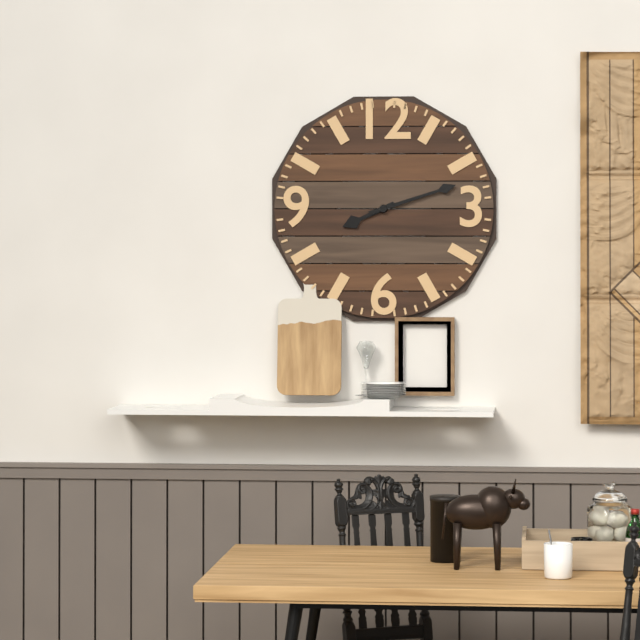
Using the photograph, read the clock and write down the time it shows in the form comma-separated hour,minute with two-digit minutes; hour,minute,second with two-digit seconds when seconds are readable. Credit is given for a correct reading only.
8,12
